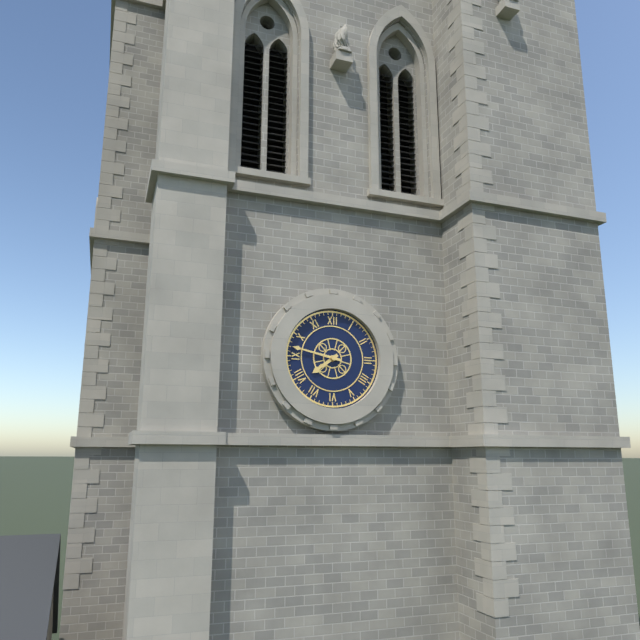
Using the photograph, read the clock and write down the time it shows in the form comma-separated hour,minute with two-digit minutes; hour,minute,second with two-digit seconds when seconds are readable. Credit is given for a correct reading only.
7,47
